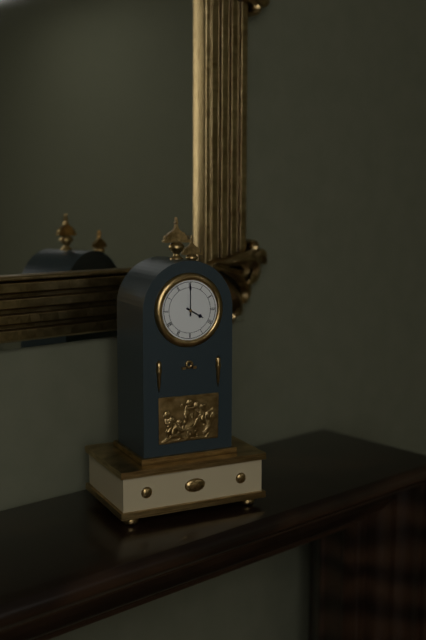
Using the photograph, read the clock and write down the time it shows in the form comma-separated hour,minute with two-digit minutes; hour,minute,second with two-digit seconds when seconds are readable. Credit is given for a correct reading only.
4,00
